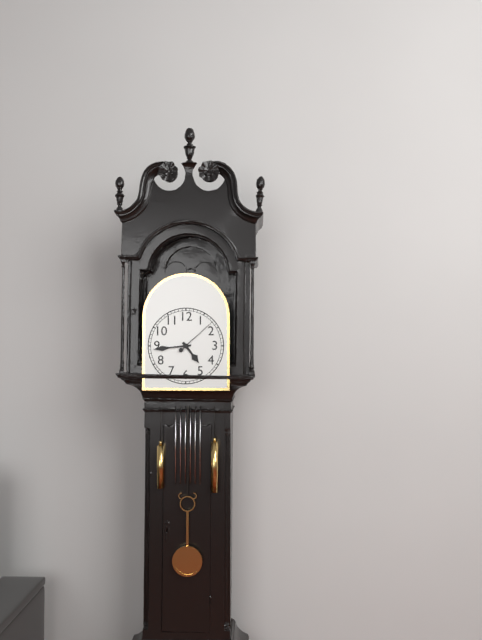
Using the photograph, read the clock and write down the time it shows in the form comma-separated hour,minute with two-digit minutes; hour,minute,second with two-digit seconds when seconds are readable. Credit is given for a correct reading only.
4,44
